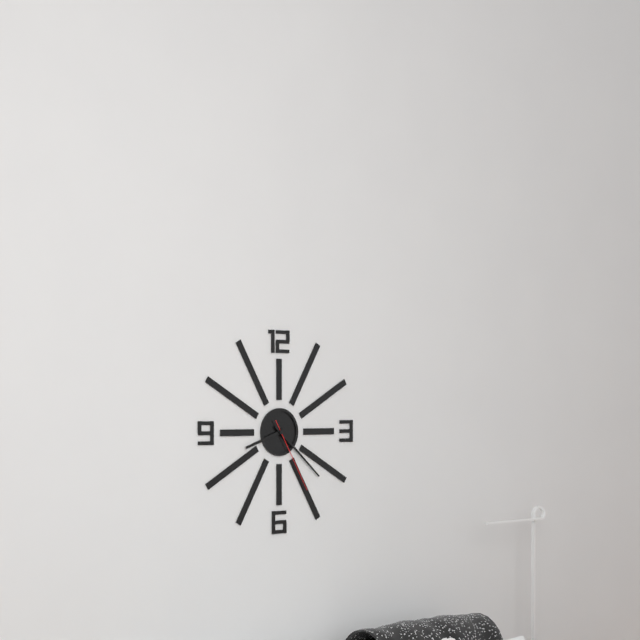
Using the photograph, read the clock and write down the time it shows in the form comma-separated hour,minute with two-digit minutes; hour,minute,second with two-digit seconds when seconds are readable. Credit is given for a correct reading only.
8,22,25
